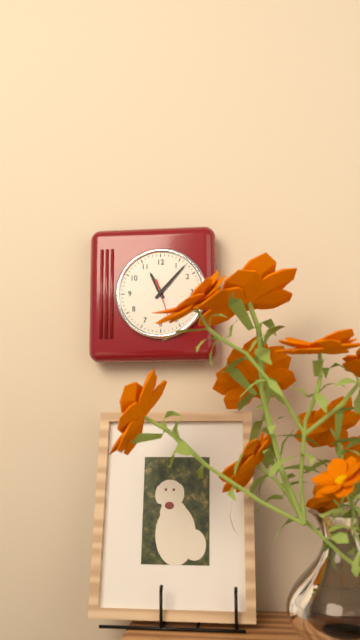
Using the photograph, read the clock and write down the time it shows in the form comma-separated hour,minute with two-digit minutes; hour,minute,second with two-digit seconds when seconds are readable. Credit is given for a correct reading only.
11,07
